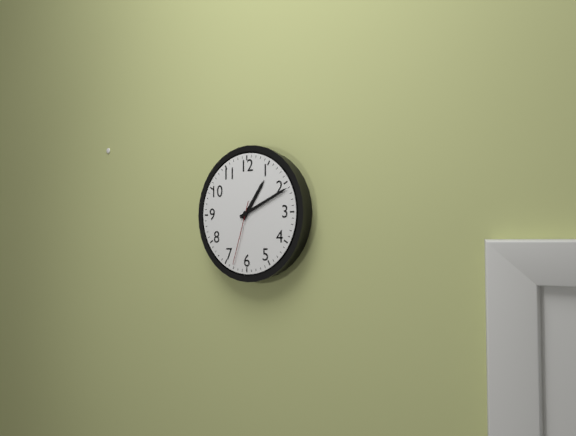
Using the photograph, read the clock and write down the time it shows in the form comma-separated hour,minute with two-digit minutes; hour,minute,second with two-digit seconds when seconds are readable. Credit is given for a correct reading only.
1,11,33
